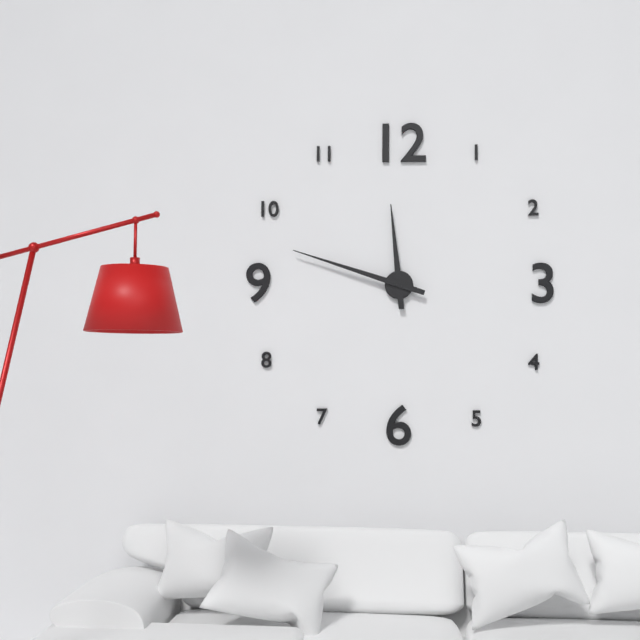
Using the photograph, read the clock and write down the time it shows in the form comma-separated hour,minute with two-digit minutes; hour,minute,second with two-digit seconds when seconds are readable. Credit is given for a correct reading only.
11,48
